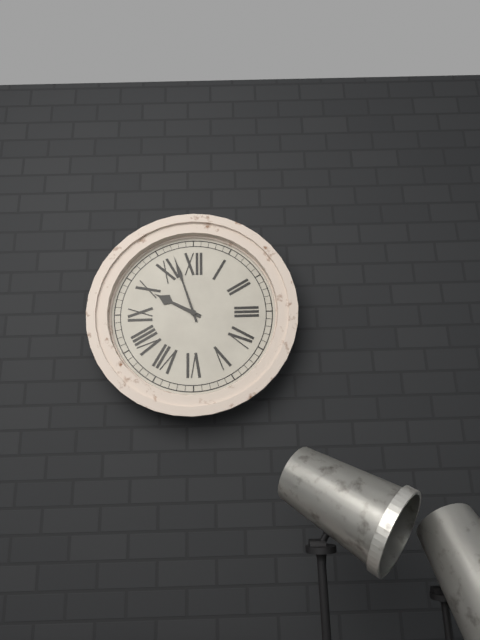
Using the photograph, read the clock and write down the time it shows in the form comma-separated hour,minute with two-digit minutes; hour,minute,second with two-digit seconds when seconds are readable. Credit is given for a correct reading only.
9,57
